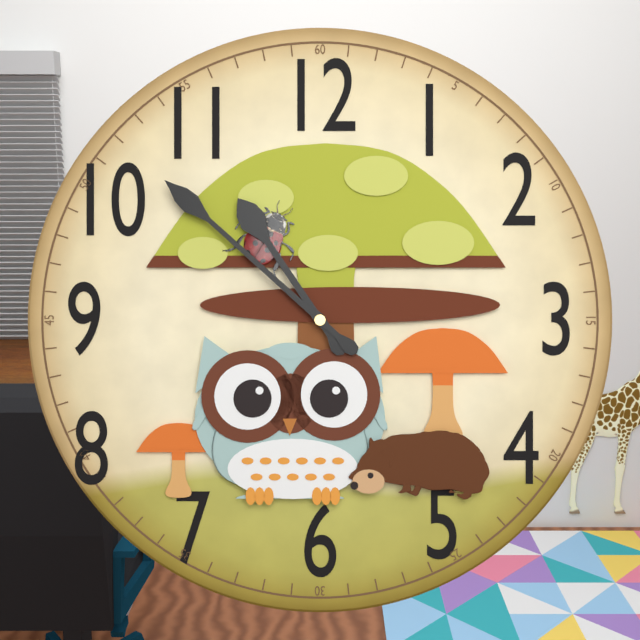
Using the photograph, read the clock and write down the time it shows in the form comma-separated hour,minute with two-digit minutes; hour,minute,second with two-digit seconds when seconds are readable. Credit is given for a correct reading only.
10,52
